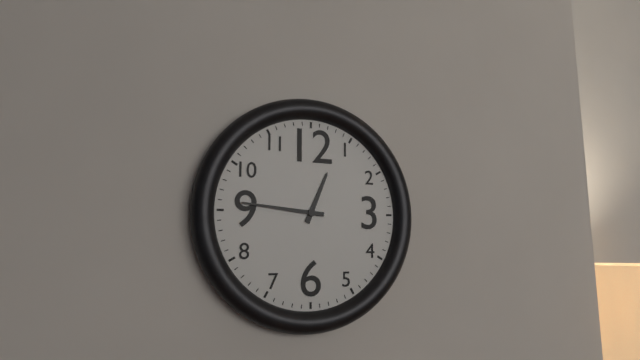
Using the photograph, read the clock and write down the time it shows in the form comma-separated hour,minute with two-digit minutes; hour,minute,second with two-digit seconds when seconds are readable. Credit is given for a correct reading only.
12,46
